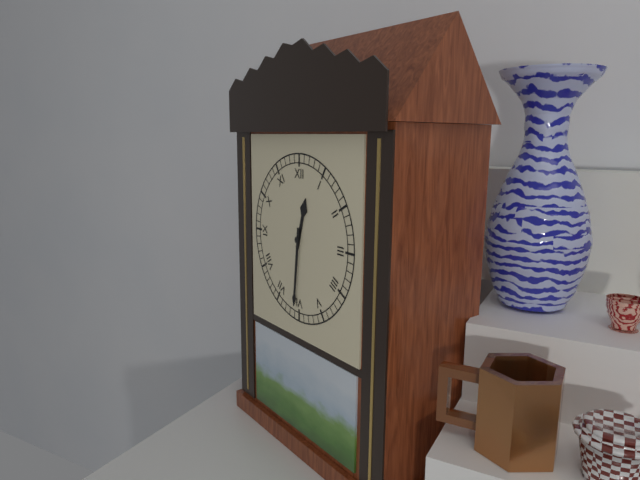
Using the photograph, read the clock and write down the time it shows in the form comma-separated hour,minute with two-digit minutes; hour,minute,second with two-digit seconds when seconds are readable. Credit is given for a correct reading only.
12,31
